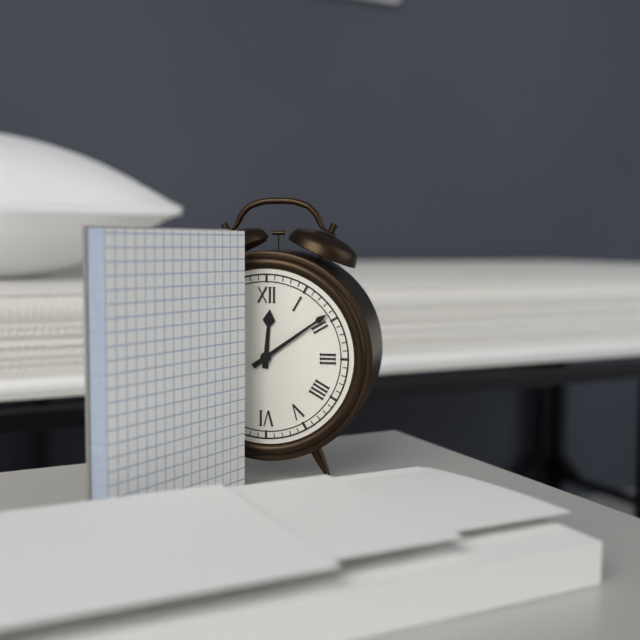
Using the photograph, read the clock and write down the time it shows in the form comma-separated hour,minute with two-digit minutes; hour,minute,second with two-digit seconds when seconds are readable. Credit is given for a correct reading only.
12,09
